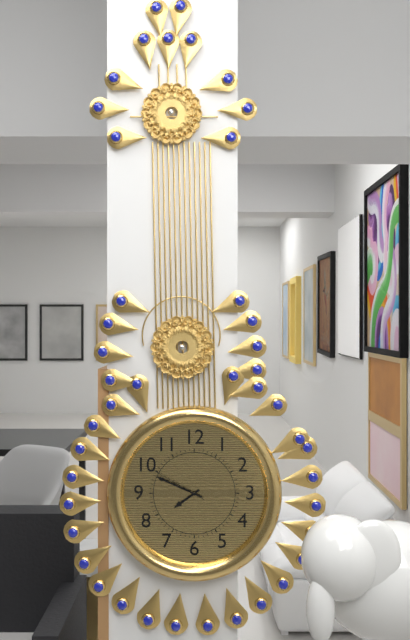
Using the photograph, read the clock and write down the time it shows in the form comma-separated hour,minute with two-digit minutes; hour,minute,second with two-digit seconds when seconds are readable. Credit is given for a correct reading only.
7,49,50
